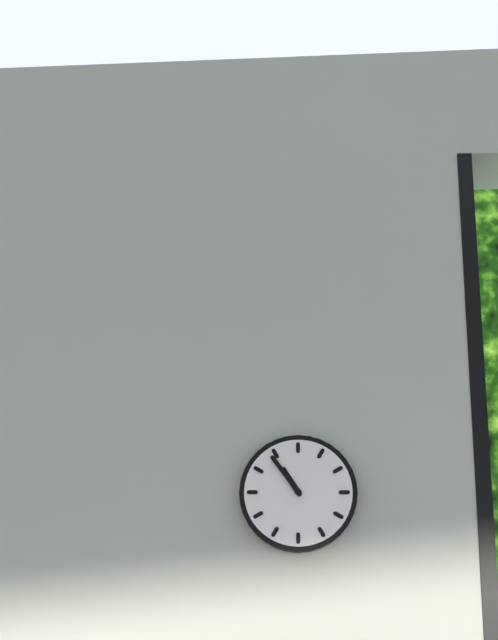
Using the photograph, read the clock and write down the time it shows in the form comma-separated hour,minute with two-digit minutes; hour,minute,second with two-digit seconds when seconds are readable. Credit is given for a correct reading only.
10,54
